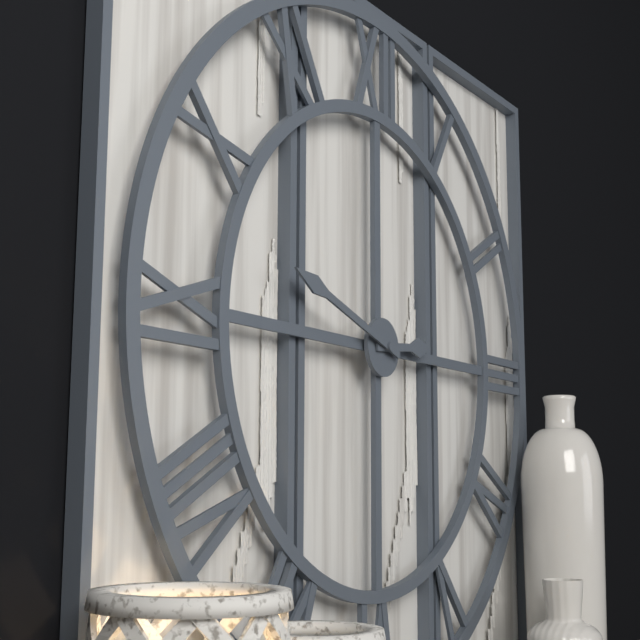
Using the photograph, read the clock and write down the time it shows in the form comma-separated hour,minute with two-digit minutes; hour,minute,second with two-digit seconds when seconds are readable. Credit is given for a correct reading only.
2,48
